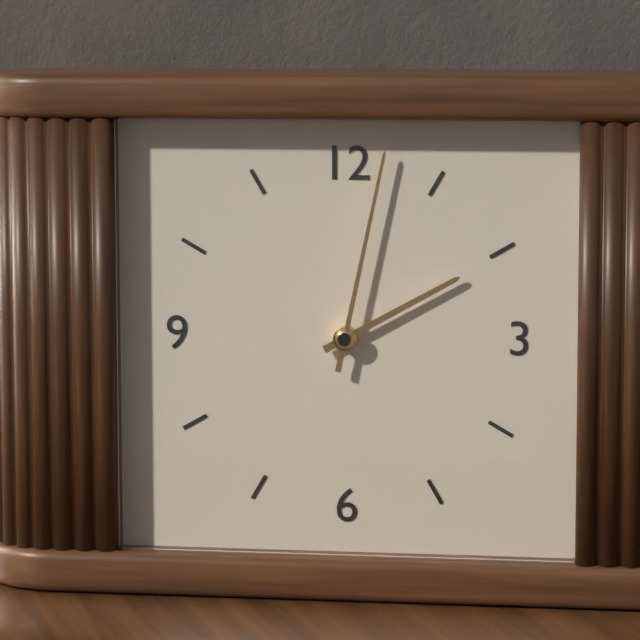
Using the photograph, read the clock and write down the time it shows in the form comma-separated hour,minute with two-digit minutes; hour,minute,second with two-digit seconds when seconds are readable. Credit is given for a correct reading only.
2,02
